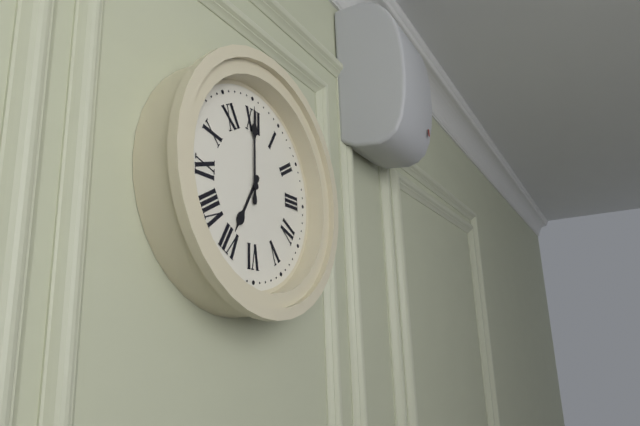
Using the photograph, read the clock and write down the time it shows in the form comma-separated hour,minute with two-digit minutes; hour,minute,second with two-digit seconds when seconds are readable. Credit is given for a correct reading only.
7,00
